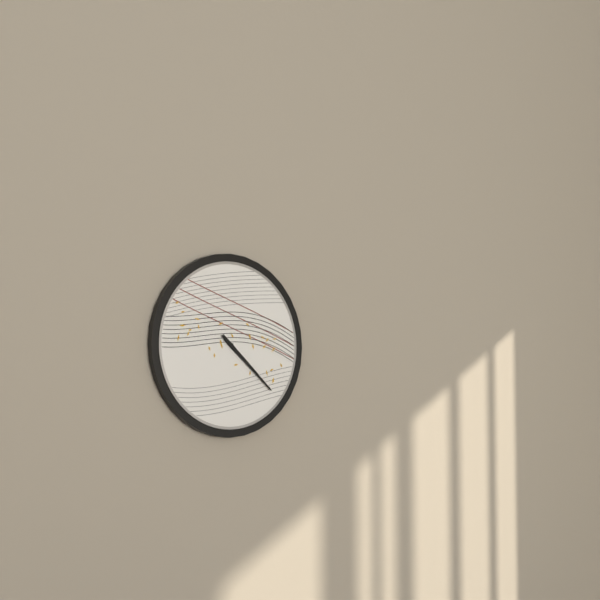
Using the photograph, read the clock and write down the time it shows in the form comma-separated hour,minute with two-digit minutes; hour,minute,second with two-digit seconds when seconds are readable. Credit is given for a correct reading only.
4,22
